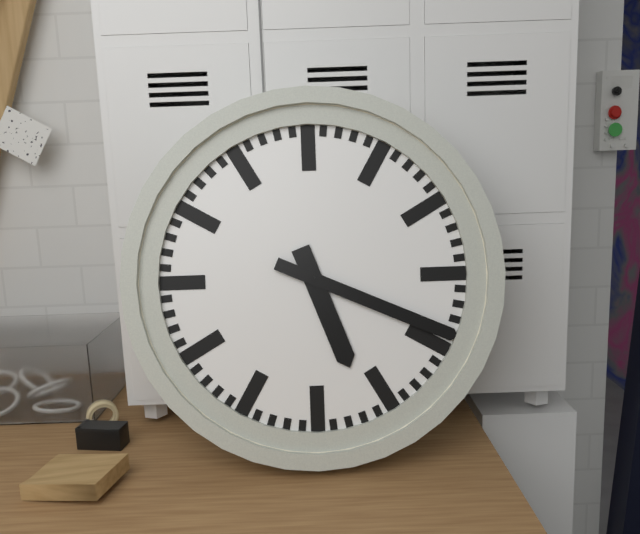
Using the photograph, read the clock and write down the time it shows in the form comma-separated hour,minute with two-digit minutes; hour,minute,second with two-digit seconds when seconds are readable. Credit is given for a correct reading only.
5,19
